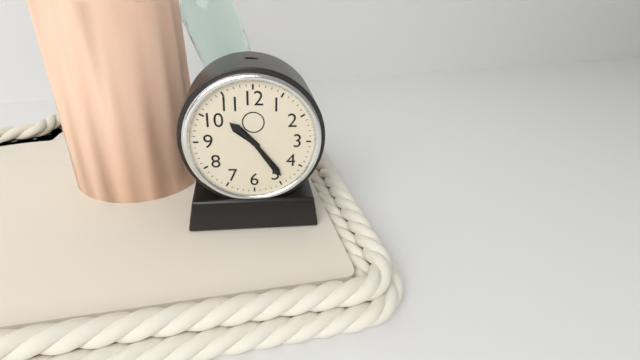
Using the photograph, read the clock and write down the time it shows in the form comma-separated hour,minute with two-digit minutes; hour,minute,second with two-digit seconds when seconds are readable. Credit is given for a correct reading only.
10,24
